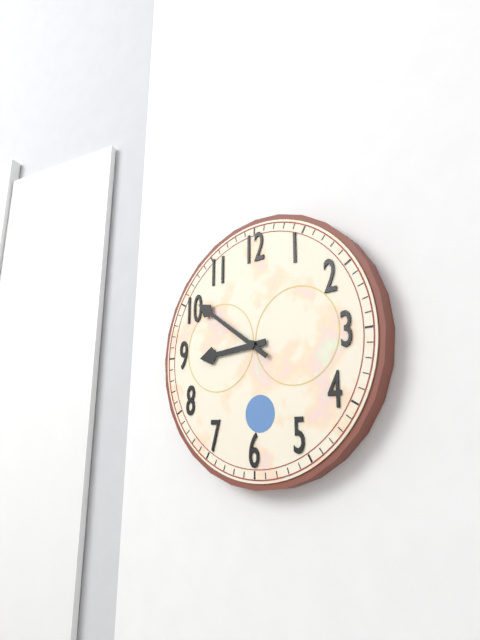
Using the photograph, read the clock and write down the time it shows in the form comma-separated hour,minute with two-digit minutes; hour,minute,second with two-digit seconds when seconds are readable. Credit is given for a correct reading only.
8,51
